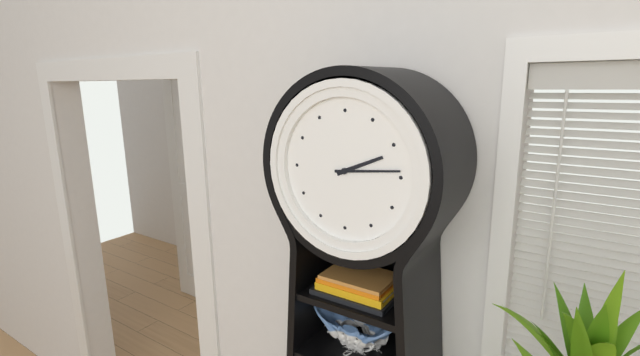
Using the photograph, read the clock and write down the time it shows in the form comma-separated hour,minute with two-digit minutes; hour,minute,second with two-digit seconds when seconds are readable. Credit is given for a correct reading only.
2,14
